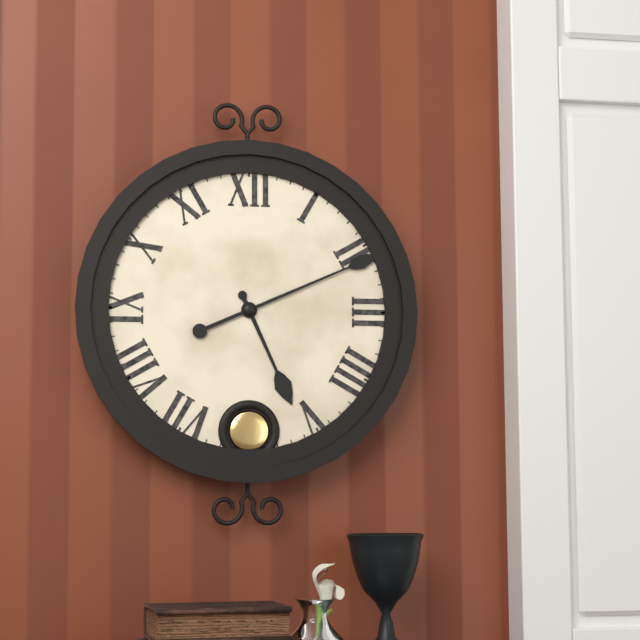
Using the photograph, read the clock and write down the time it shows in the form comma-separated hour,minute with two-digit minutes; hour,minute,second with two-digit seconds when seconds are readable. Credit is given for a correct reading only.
5,11
